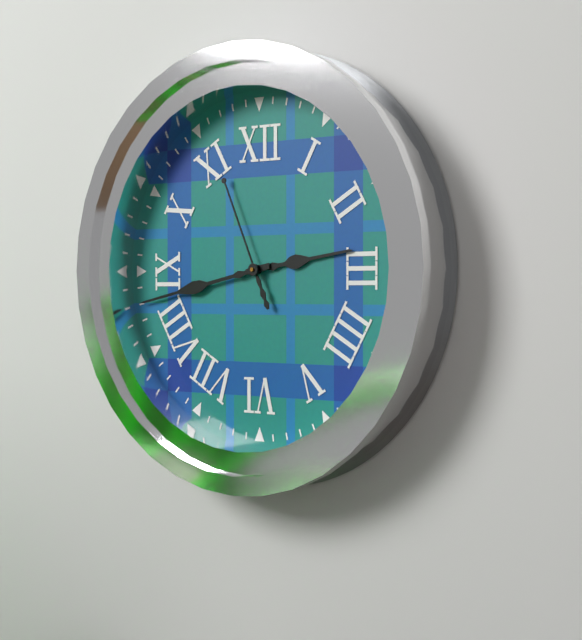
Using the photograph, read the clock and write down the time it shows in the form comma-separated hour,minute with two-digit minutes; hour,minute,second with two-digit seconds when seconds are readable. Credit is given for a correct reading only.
2,43,56
